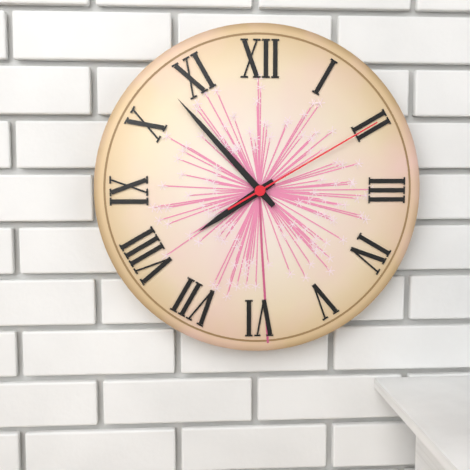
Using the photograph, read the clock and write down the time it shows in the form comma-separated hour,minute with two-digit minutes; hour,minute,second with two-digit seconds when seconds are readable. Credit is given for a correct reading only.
7,53,10
